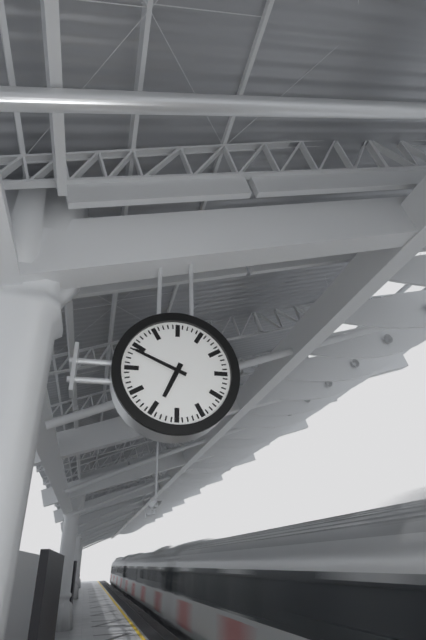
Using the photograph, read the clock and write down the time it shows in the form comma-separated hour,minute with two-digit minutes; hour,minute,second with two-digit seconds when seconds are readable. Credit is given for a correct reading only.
6,49
